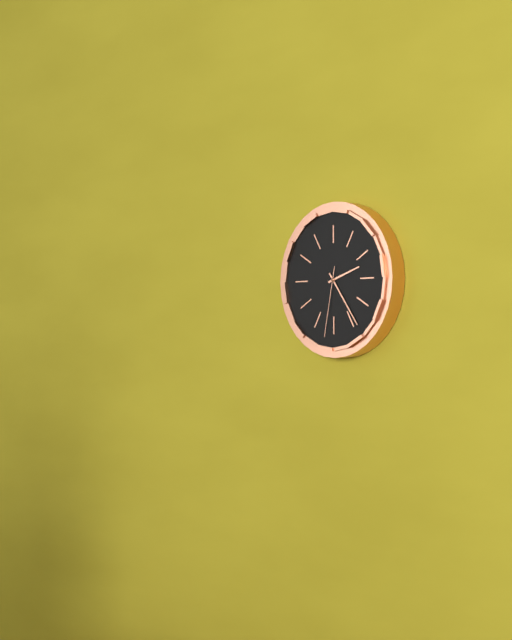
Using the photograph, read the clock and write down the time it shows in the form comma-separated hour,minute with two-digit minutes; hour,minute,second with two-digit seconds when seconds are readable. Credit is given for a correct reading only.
2,24,32
